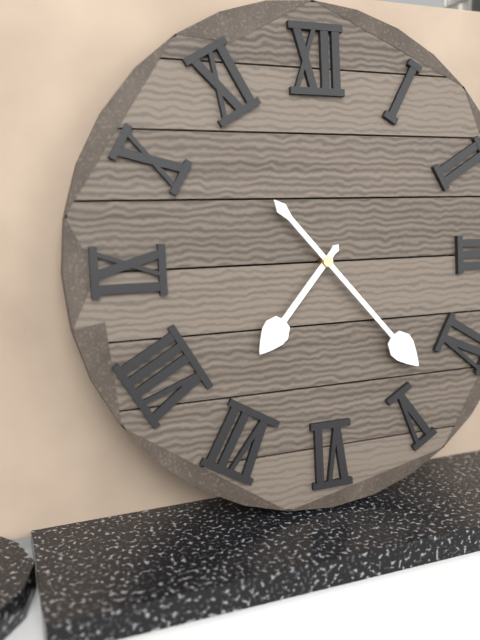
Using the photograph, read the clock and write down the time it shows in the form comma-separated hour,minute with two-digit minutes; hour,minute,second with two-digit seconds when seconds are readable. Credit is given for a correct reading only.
7,23
